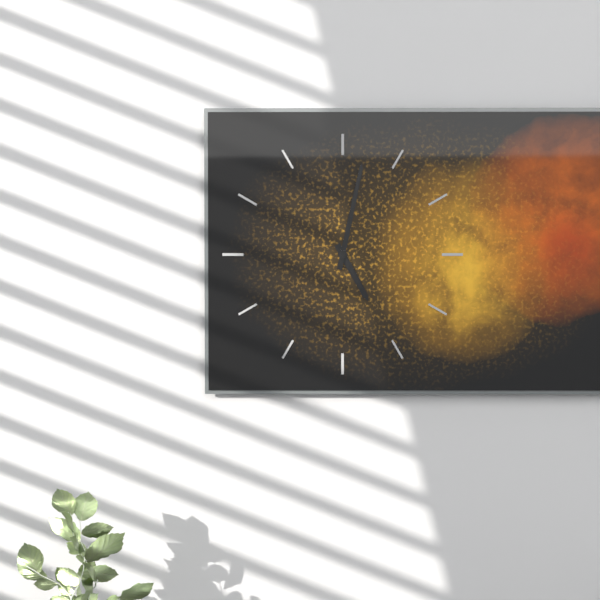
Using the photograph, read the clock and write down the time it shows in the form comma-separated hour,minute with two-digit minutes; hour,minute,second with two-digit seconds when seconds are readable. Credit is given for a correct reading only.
5,02
